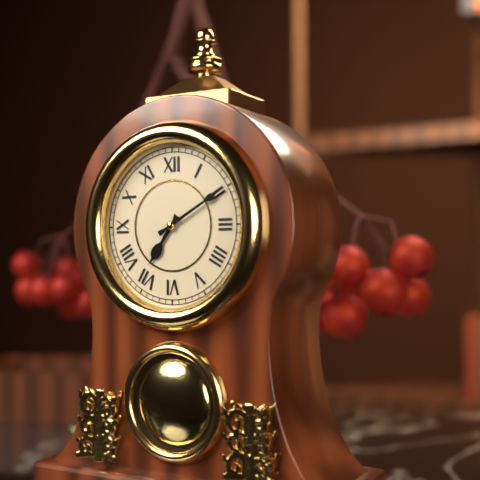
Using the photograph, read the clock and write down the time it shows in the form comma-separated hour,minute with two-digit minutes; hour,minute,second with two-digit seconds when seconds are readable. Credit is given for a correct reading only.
7,10
